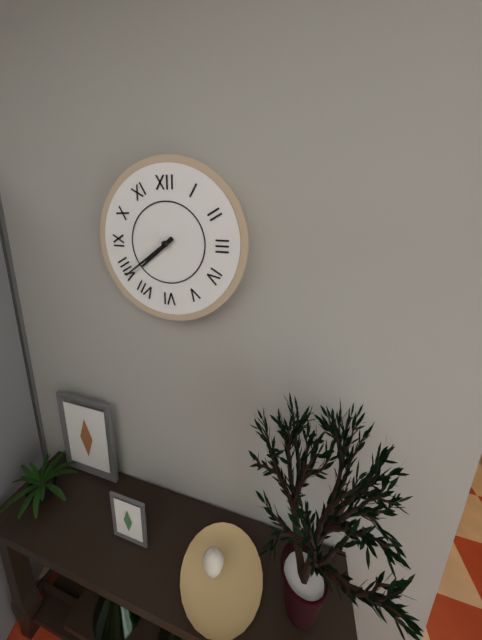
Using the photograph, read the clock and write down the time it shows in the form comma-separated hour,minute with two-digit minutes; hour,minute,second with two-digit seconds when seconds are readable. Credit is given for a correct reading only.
7,39
